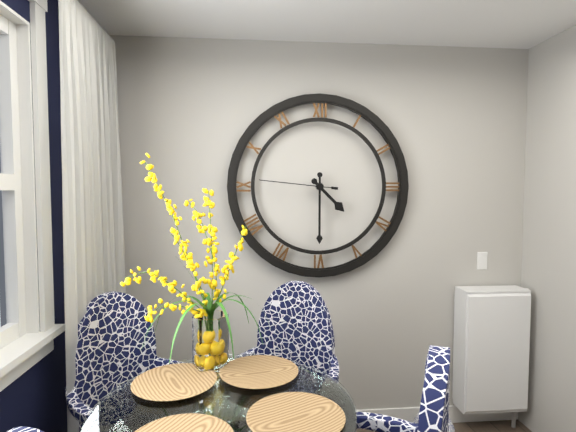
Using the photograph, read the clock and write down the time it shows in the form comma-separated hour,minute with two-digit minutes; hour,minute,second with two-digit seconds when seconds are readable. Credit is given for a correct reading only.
4,30,46
